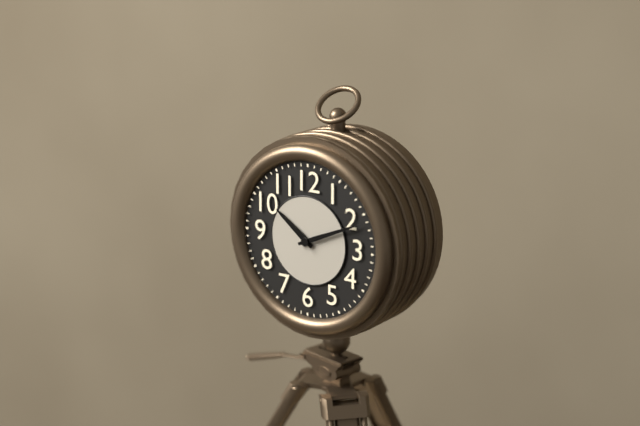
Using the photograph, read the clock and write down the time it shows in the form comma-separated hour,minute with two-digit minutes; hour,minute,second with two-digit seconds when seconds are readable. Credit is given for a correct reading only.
10,11
